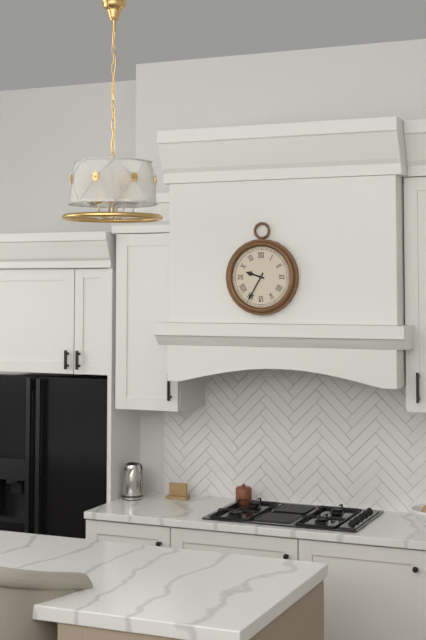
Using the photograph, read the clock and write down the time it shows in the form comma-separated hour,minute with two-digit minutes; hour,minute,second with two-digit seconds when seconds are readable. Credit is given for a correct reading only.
9,35
